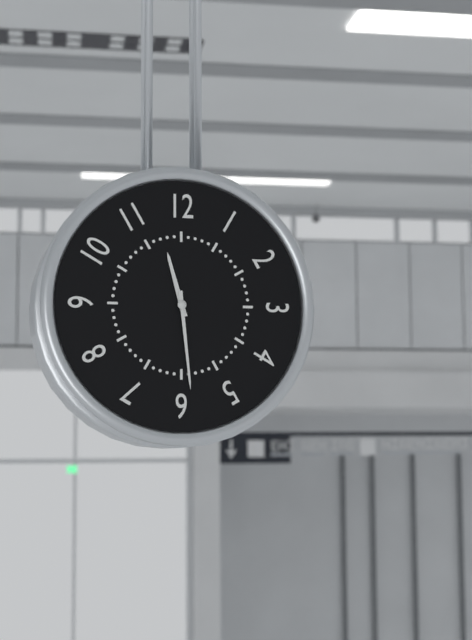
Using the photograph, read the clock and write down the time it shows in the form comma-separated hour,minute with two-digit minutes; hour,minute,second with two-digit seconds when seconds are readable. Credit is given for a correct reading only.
11,29
